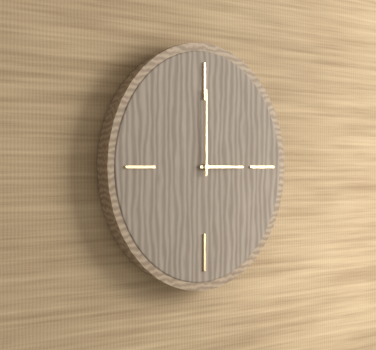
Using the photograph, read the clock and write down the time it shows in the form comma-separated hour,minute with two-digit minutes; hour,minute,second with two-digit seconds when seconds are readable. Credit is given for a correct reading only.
3,00
